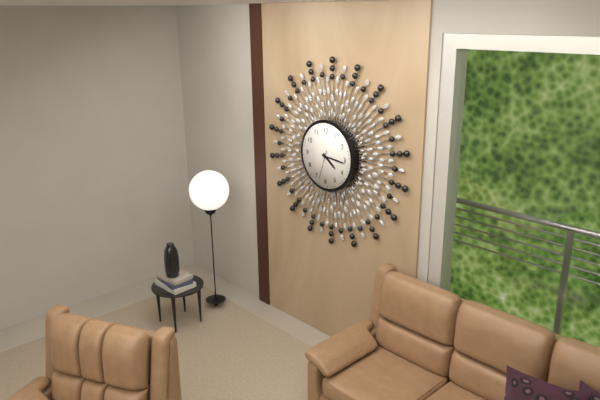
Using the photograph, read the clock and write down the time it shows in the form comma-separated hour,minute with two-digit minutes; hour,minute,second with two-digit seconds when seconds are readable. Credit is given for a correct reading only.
4,16
